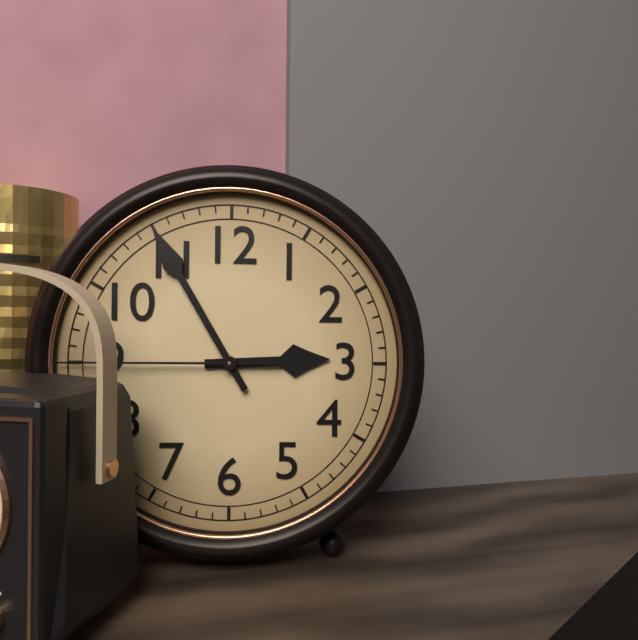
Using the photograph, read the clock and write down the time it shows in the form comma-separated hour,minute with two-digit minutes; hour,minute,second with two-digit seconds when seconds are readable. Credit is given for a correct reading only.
2,55,45
